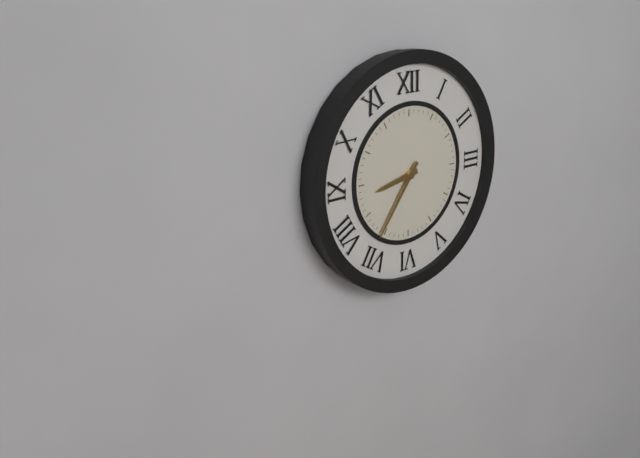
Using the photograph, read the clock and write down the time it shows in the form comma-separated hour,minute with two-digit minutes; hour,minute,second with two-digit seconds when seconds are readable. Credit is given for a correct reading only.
8,36
